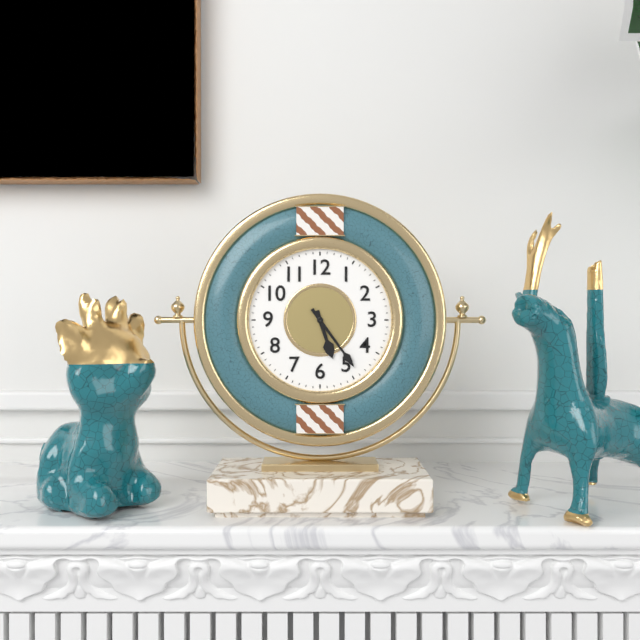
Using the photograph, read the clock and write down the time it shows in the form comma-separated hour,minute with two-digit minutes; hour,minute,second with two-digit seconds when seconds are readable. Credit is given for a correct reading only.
5,24
